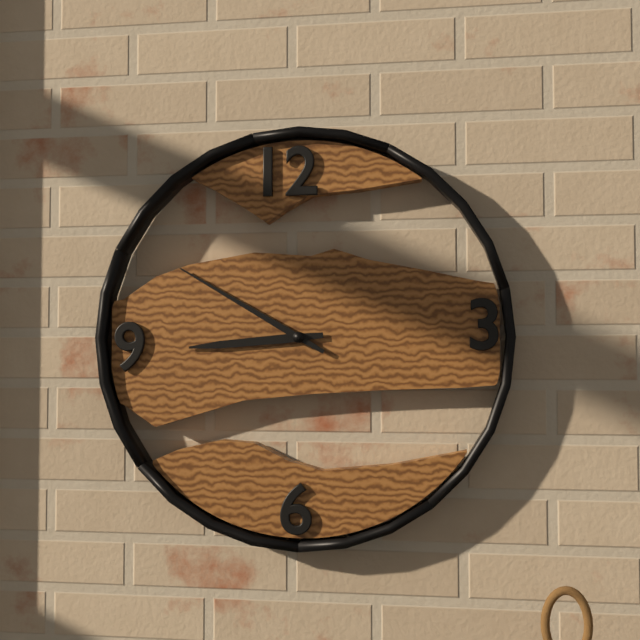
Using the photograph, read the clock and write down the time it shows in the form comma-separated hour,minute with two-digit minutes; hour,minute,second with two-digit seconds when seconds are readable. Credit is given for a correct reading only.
8,50
